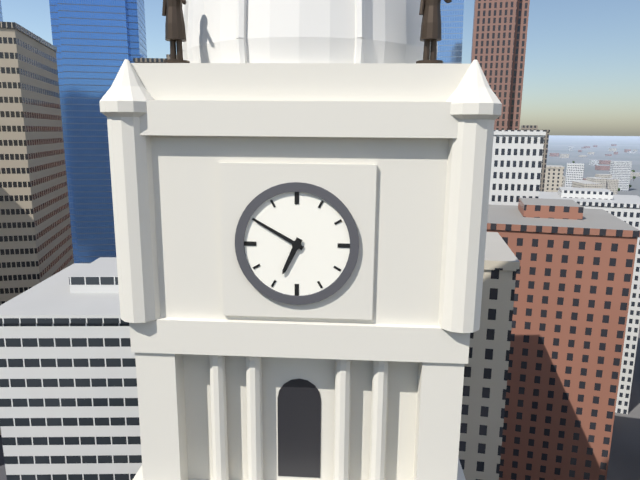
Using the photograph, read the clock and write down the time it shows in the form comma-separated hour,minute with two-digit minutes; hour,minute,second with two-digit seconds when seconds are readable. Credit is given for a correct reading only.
6,50
